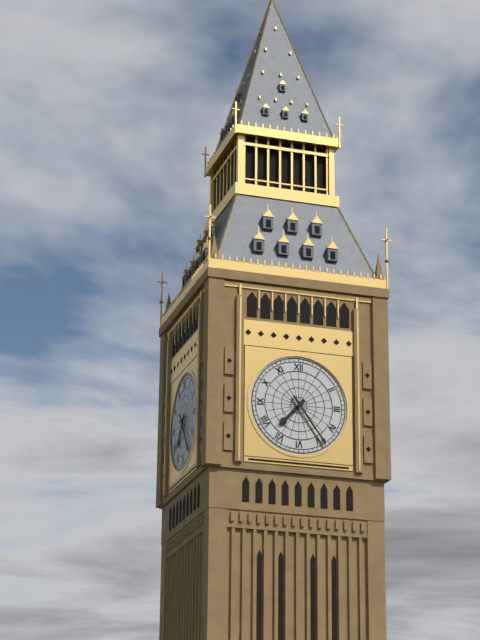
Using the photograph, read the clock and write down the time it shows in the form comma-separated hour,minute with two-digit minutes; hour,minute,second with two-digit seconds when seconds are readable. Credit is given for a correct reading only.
7,24
